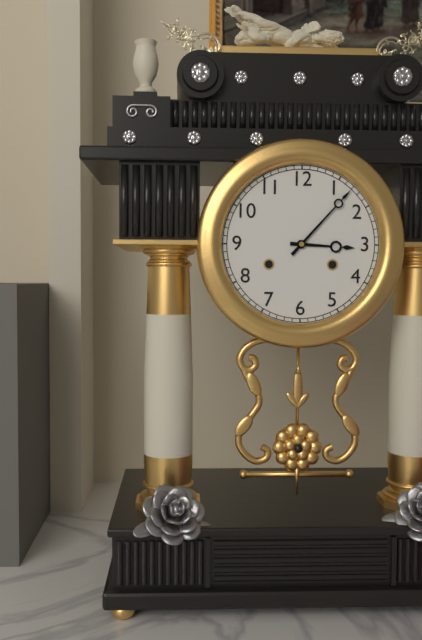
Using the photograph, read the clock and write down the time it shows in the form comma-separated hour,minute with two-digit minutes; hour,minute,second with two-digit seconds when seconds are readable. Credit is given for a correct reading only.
3,07
